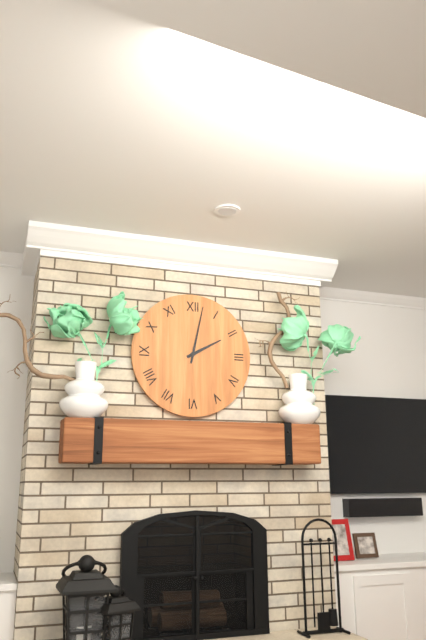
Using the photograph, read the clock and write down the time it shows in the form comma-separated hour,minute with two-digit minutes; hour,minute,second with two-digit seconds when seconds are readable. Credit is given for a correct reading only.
2,02
